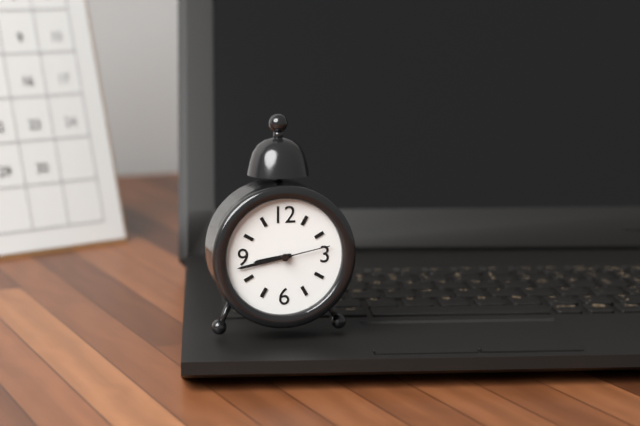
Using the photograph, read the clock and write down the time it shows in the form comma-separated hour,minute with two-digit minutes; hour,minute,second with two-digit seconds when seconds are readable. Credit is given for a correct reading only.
8,43,13
